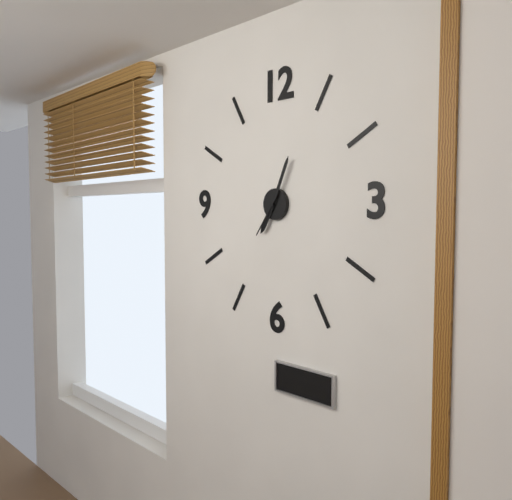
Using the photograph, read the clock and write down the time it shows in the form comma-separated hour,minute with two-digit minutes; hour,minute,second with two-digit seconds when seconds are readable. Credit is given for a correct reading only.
7,04
